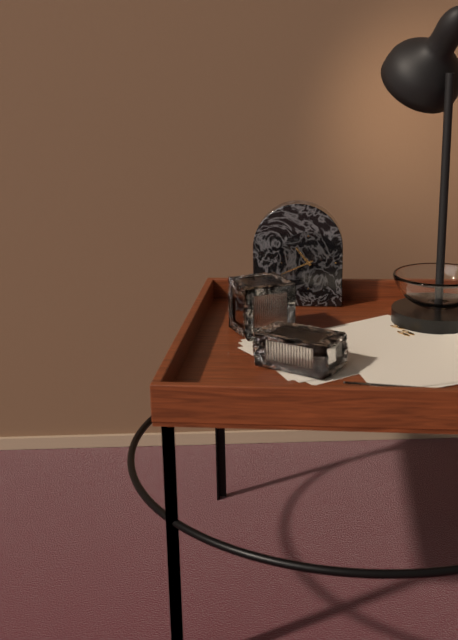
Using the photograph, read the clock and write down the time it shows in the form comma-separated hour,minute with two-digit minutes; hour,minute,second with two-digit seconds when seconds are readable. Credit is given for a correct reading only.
10,41
